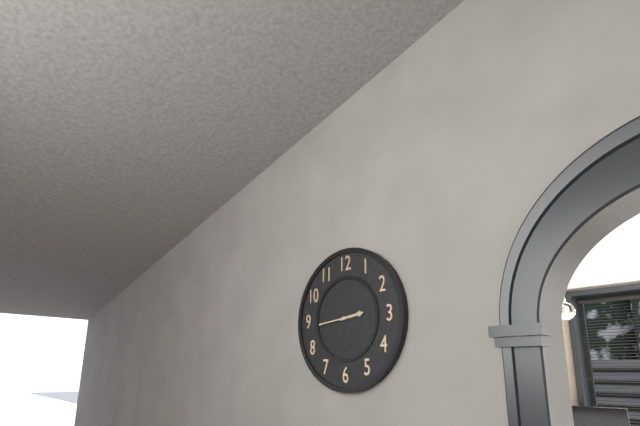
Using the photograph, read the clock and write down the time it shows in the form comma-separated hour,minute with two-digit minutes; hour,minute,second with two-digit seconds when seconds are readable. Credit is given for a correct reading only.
2,44
